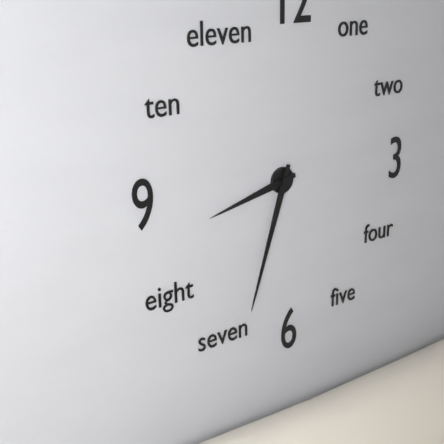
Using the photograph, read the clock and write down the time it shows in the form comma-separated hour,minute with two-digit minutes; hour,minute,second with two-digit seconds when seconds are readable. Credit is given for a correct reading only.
8,33
